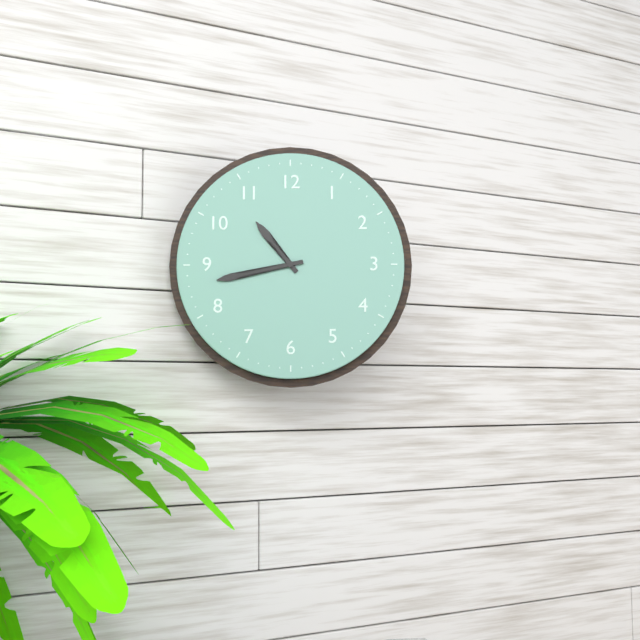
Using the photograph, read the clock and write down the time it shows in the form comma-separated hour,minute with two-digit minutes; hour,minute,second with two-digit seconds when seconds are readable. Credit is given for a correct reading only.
10,43
